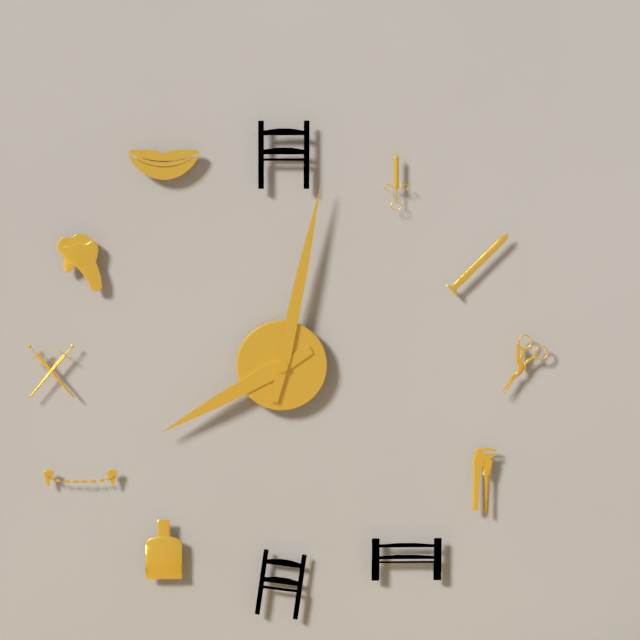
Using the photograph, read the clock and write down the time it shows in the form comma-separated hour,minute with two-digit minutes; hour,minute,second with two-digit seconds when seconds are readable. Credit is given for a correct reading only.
8,02
